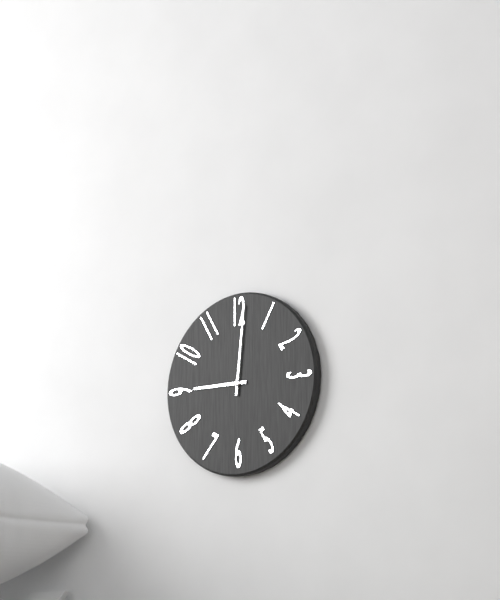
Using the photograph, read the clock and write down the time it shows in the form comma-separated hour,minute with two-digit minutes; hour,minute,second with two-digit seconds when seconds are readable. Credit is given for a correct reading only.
9,01
